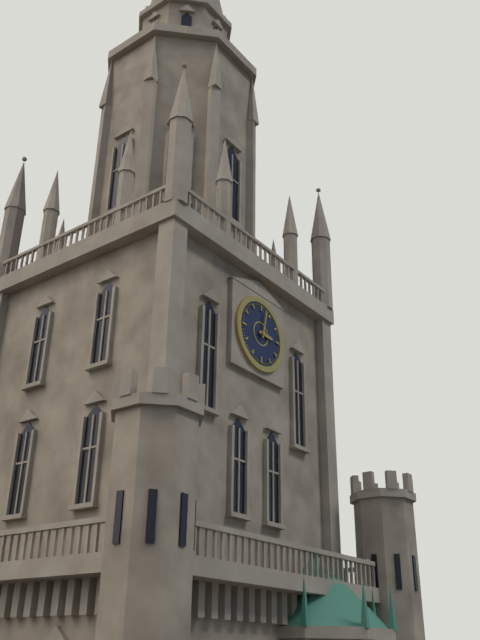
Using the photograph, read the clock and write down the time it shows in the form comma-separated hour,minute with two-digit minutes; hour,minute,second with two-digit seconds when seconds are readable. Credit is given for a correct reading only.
3,02
